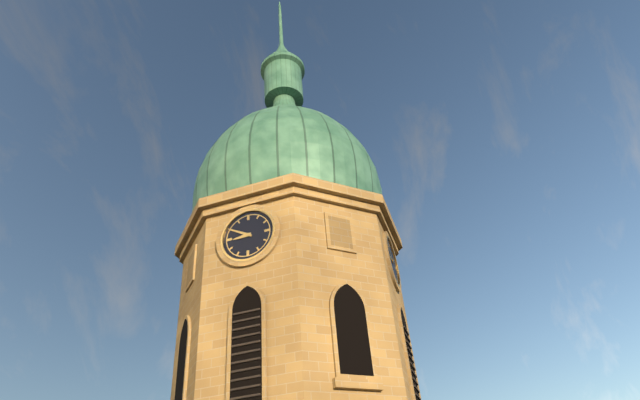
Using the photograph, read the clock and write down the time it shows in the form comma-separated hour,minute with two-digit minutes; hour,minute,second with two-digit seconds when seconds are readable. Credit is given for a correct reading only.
8,50
